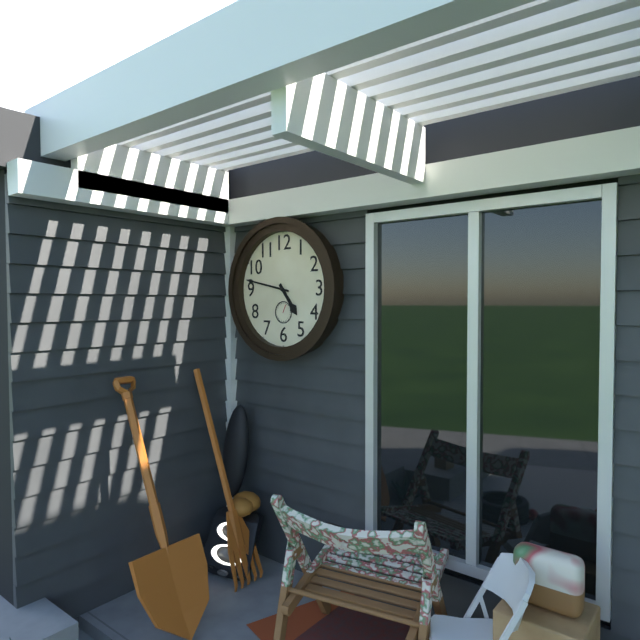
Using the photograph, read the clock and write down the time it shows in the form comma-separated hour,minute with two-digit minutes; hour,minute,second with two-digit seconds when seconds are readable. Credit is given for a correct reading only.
4,47
